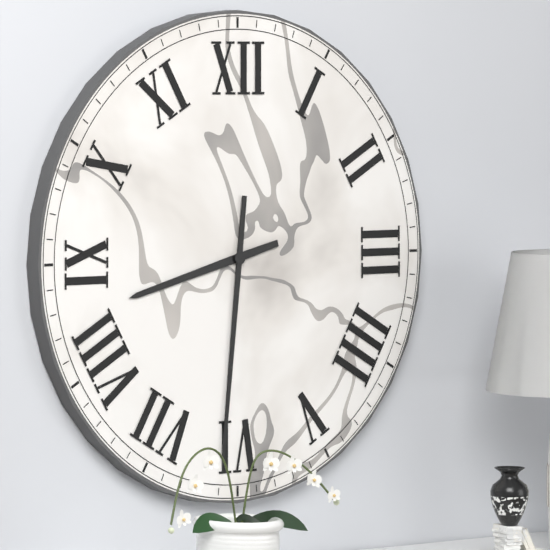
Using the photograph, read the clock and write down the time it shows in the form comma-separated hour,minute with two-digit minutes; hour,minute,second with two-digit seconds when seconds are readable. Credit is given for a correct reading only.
8,31
